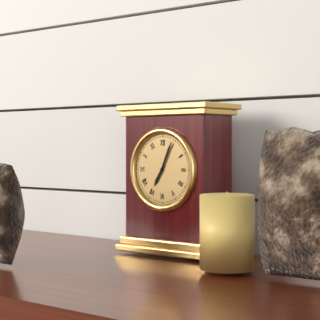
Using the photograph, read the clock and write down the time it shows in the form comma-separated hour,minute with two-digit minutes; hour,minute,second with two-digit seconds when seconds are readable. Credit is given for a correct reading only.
7,04
